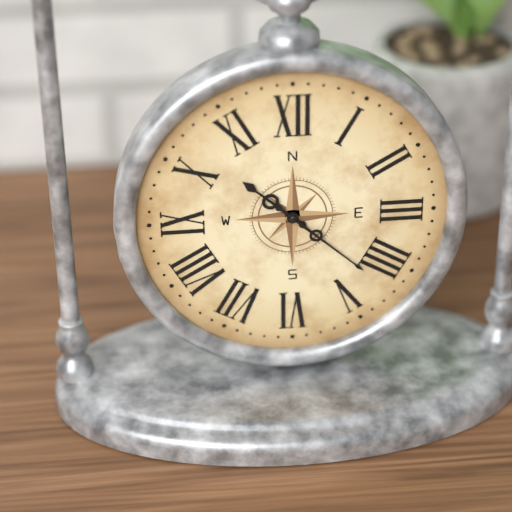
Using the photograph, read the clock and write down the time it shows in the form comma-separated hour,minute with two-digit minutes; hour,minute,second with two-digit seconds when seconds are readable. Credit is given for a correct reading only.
10,22
